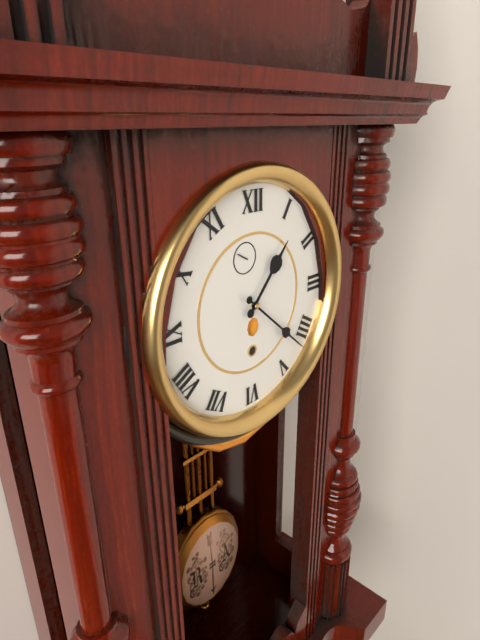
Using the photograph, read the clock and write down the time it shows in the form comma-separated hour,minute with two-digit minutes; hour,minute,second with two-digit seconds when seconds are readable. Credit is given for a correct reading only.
1,22
